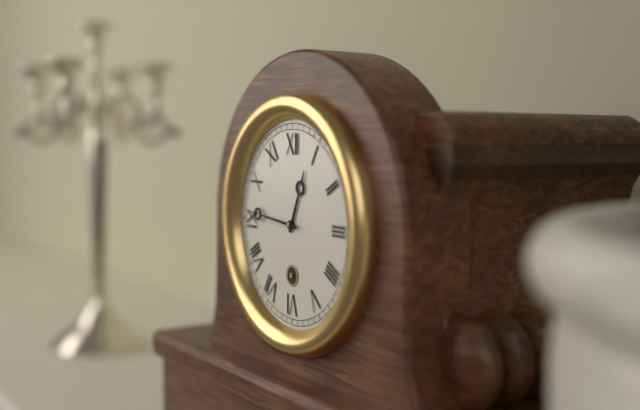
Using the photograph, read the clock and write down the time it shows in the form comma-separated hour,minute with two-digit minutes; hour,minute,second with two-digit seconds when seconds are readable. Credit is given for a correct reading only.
12,46
